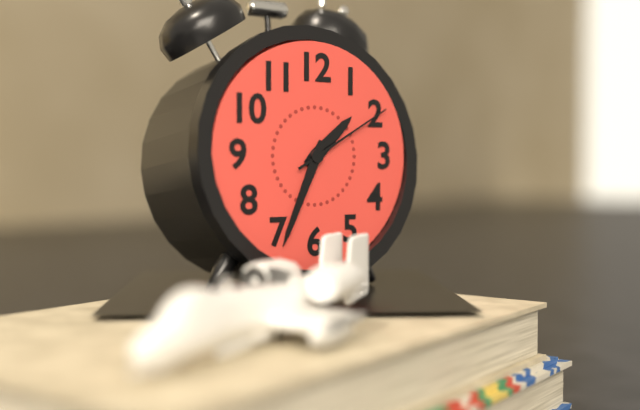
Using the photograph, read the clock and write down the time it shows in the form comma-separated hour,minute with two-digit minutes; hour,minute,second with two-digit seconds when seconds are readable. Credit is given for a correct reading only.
1,34,10
